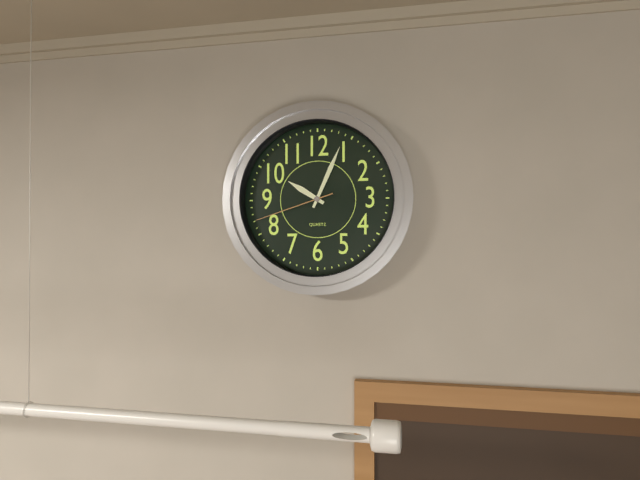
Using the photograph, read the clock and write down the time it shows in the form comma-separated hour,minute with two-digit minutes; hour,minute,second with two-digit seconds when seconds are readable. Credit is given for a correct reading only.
10,04,42
